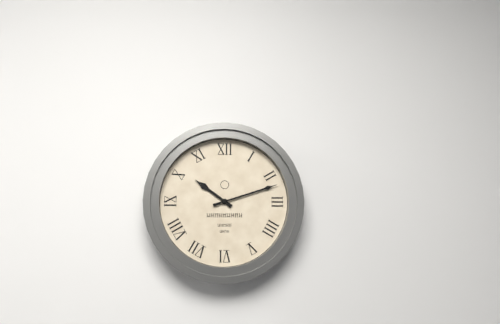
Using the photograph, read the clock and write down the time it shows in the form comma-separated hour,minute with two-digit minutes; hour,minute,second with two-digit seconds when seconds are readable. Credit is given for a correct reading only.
10,12
